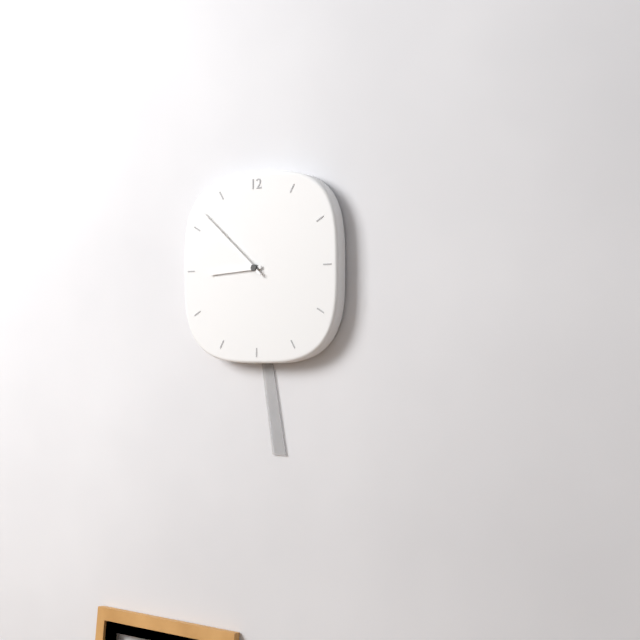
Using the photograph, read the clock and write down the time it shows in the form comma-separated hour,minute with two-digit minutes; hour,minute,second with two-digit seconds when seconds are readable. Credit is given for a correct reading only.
8,52
